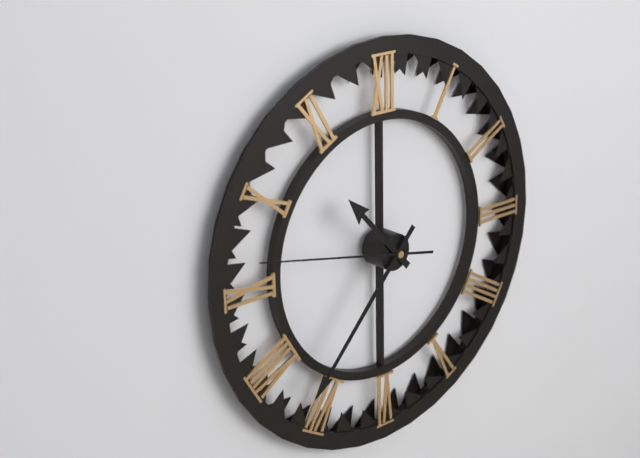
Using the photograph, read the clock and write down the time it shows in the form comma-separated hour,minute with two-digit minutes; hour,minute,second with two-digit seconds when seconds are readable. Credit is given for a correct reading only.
10,37,47
